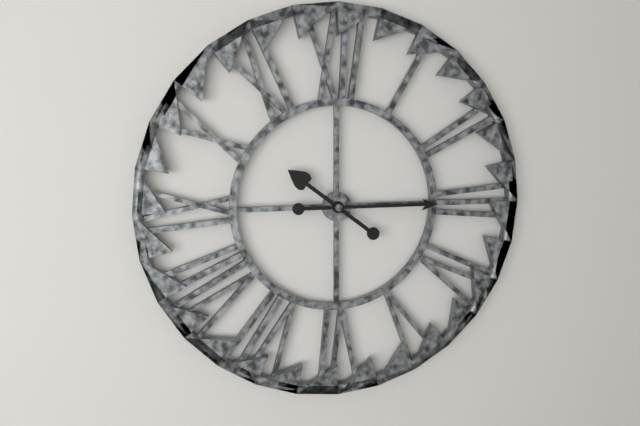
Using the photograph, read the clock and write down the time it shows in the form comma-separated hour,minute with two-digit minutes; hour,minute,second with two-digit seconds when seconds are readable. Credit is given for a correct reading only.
10,15
